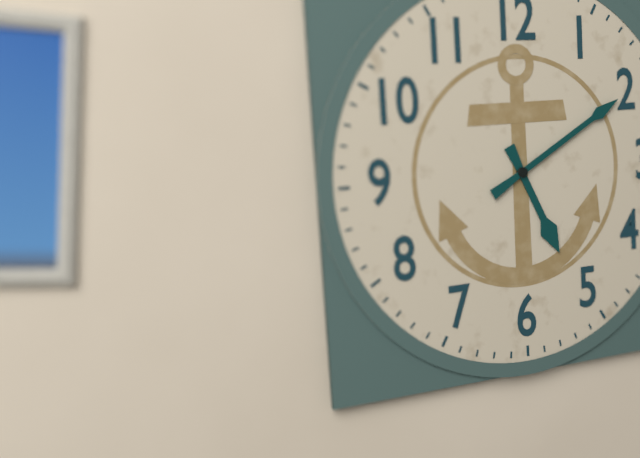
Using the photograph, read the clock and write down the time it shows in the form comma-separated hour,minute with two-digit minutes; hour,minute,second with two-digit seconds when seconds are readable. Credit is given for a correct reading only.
5,10
